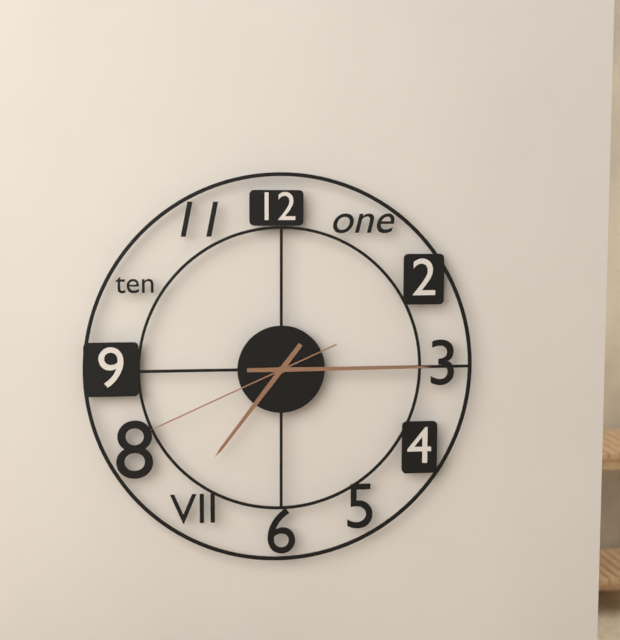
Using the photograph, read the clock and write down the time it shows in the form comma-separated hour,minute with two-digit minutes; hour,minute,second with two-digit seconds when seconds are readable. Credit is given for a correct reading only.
7,15,41
